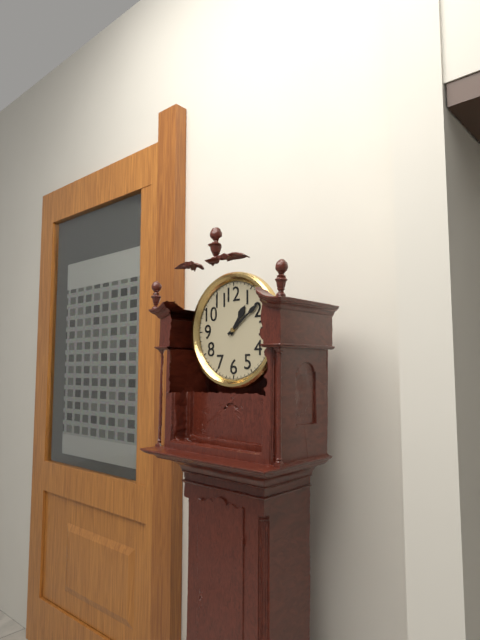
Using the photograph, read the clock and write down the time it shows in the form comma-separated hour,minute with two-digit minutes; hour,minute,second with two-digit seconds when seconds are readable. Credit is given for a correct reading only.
1,09
